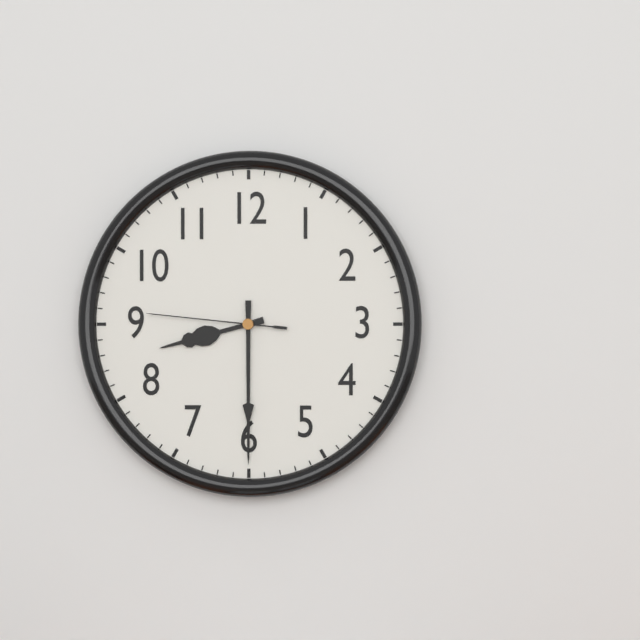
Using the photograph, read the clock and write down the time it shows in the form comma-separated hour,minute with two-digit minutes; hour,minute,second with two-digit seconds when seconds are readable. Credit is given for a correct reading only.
8,30,46
